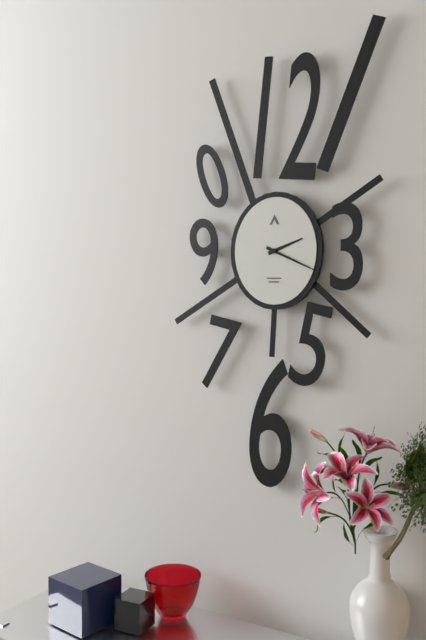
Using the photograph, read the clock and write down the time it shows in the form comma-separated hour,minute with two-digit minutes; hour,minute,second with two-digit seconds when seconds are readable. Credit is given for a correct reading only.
2,19
